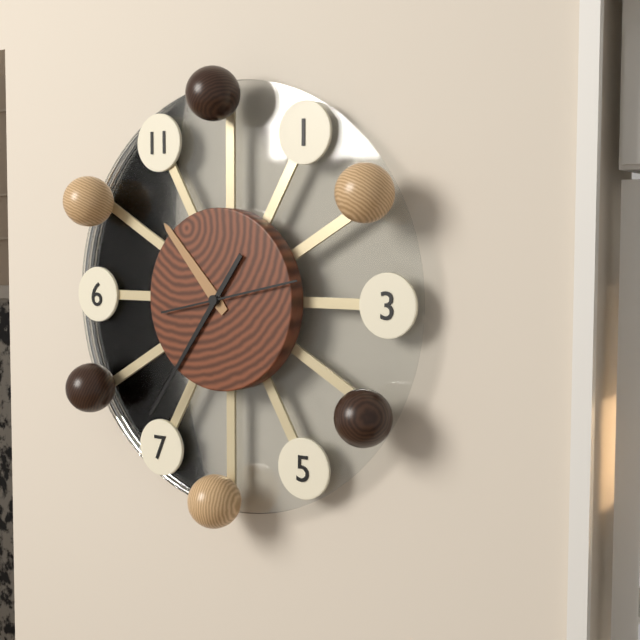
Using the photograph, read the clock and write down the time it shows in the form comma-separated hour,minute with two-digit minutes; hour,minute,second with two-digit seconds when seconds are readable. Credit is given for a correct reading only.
10,36,13
